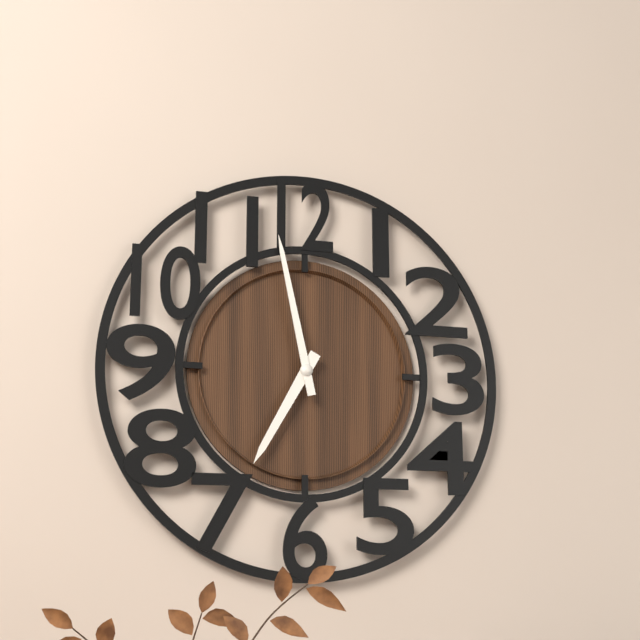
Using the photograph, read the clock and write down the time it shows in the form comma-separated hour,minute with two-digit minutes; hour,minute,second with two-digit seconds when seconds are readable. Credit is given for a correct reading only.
6,58
